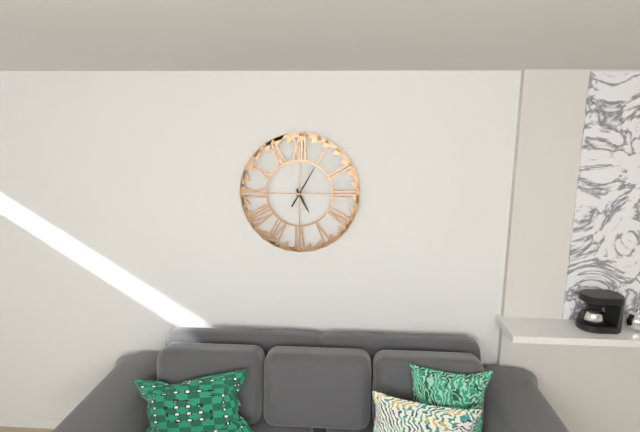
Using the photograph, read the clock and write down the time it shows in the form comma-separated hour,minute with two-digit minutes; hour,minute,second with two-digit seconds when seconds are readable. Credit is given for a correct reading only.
5,05
